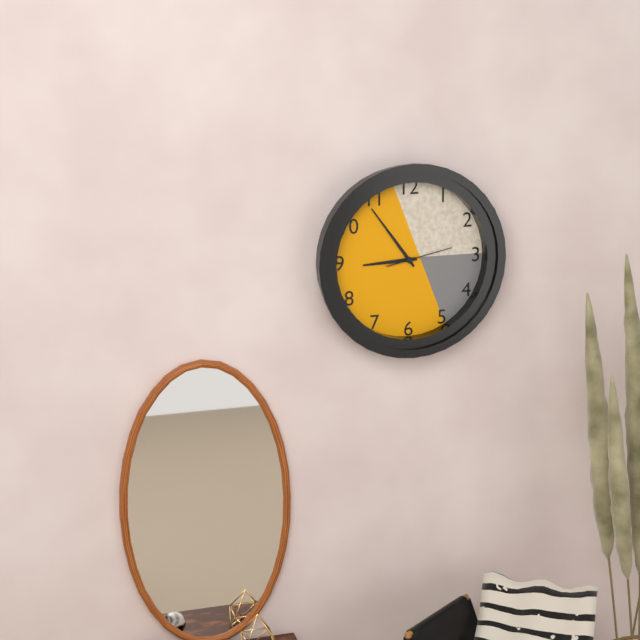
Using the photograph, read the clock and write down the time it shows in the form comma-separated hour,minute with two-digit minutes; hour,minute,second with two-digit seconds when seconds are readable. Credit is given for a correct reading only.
8,54,13
